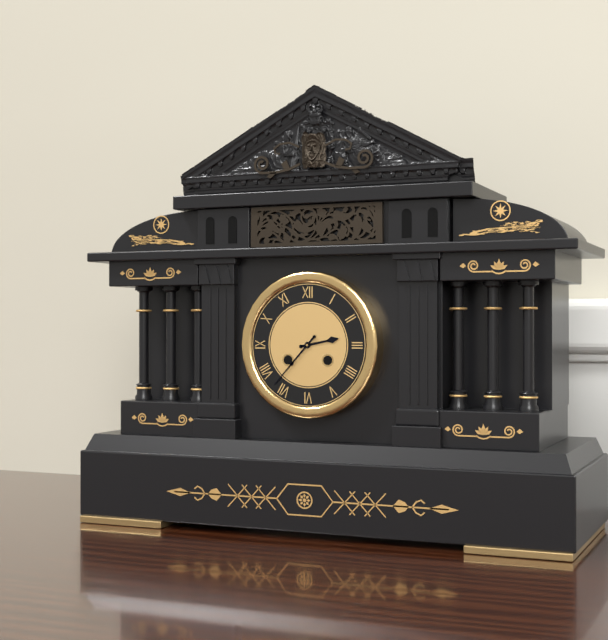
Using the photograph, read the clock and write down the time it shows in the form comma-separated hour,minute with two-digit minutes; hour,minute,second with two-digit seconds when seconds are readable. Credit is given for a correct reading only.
2,37
